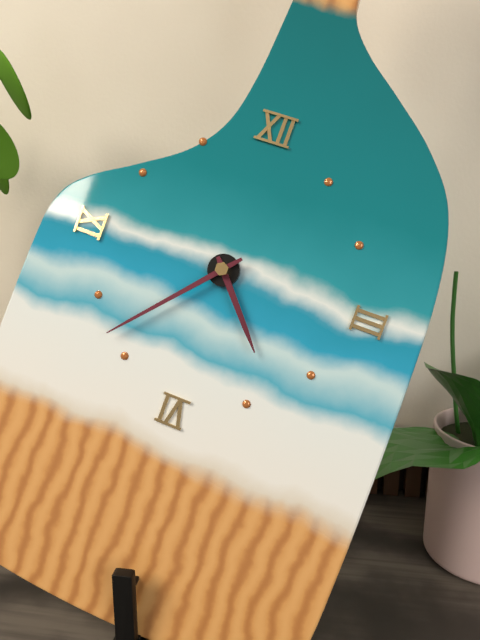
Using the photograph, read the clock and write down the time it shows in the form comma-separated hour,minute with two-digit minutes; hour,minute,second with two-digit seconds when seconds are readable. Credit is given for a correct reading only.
4,37
